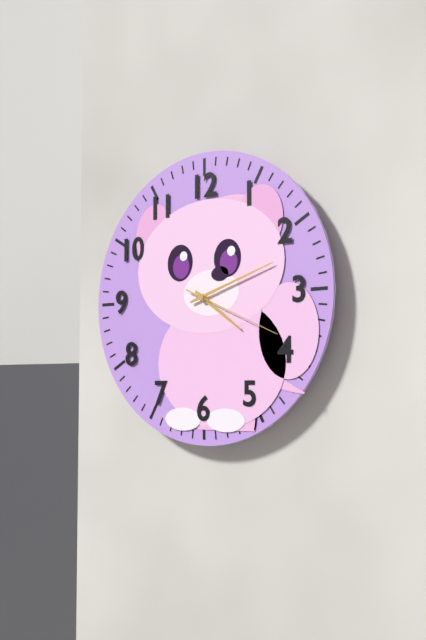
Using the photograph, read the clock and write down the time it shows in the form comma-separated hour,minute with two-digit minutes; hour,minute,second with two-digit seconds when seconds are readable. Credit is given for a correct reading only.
4,12,19
